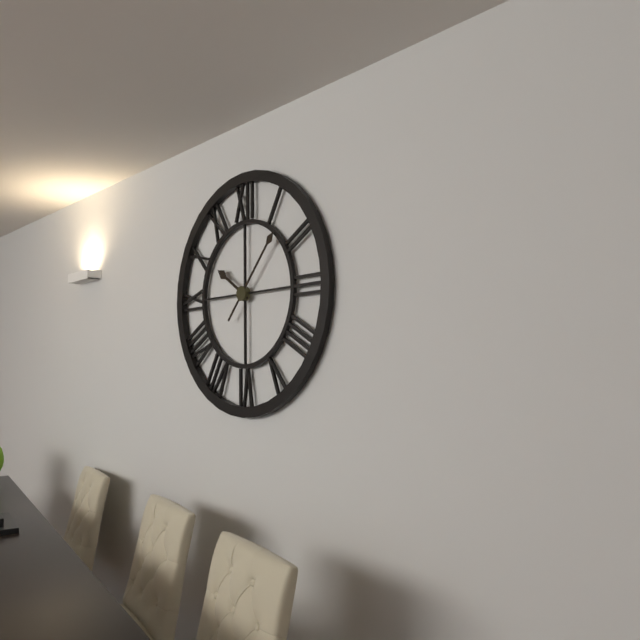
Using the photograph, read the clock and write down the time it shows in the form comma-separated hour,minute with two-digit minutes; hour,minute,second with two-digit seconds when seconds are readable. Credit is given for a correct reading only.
10,07
